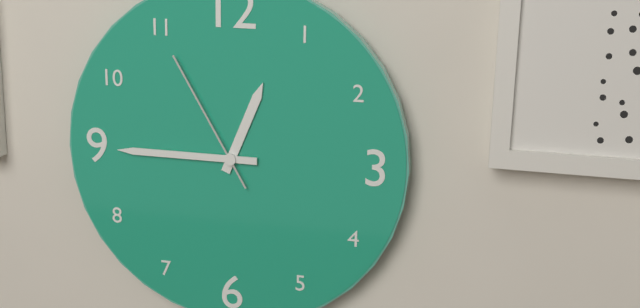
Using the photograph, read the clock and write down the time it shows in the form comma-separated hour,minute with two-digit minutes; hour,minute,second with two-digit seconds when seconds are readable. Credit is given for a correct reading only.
12,45,55
